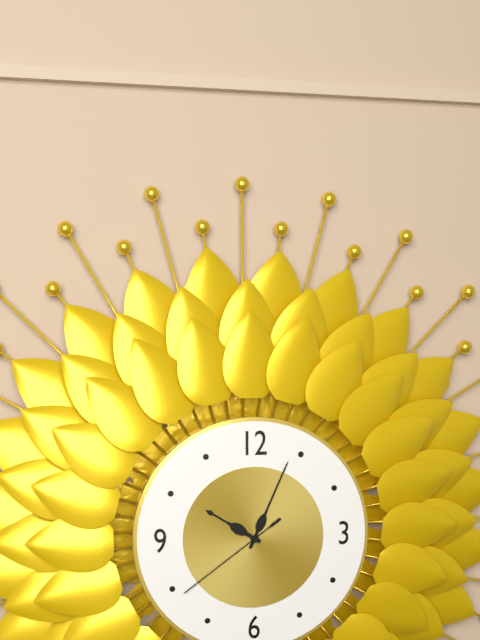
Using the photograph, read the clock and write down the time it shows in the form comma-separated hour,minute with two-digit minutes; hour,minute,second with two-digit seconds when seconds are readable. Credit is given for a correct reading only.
10,04,39
